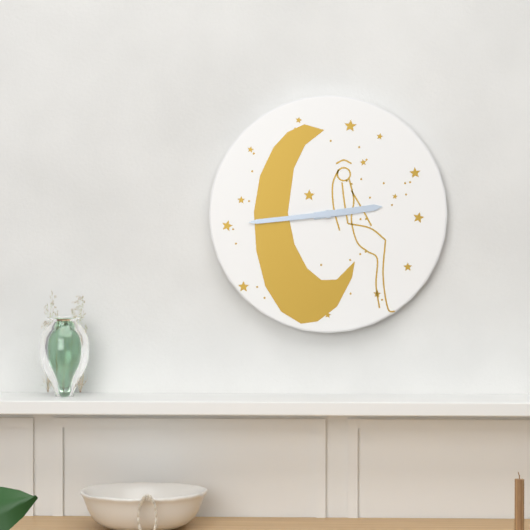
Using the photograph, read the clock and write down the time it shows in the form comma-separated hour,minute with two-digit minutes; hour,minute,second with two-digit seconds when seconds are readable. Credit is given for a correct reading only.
2,44
